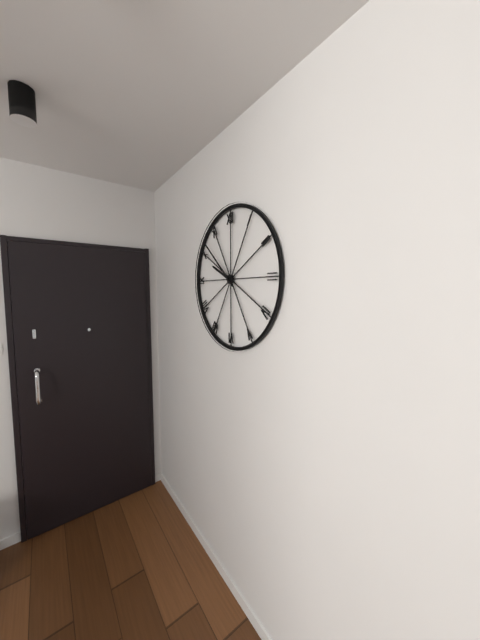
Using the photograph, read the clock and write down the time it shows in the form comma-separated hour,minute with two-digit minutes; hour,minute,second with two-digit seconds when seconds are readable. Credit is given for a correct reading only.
9,52
